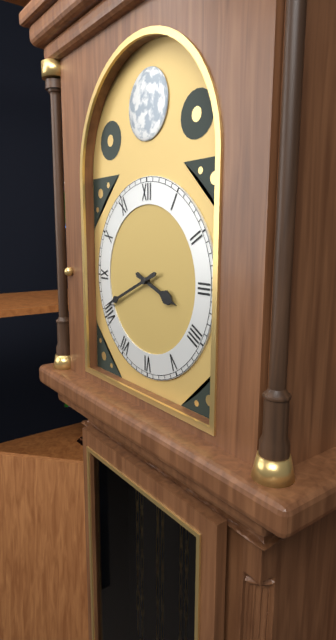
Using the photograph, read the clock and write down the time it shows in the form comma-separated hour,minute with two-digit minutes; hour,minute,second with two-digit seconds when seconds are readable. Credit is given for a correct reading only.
3,41
